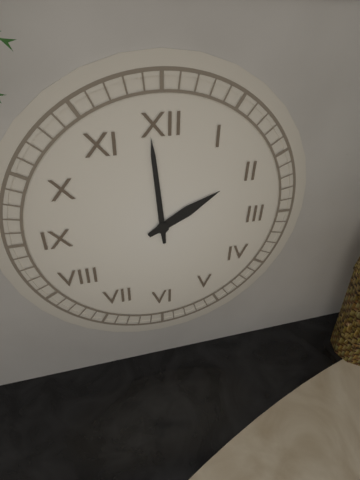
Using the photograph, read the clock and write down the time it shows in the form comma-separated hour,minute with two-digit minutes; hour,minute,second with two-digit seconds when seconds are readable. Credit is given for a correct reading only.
1,59
